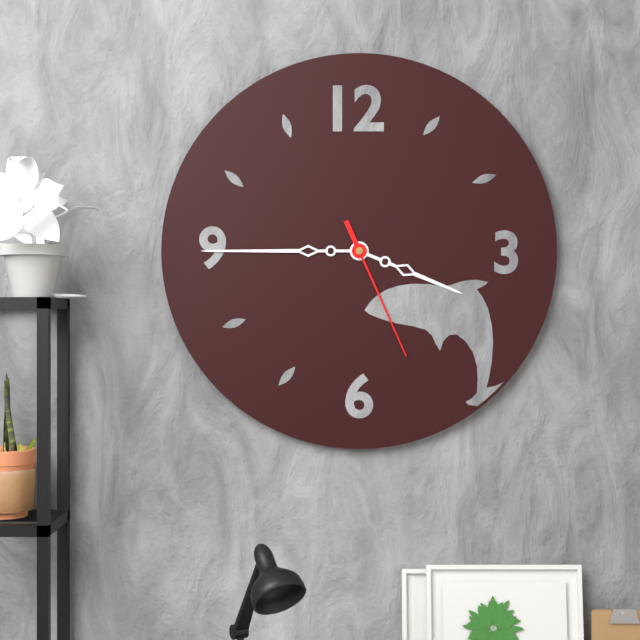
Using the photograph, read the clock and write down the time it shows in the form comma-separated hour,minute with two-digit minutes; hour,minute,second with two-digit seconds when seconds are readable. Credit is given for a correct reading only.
3,45,26
